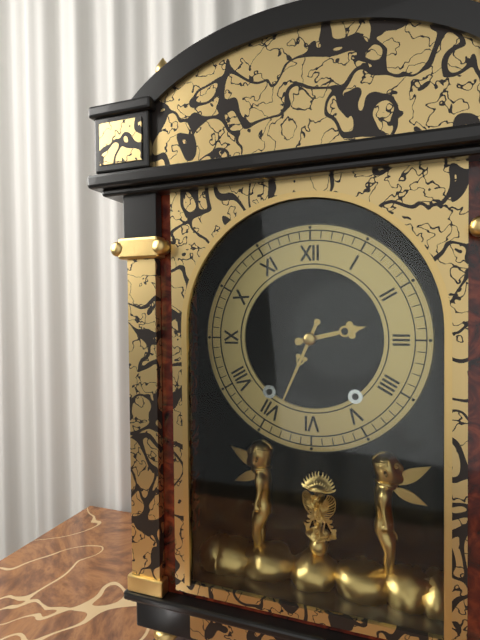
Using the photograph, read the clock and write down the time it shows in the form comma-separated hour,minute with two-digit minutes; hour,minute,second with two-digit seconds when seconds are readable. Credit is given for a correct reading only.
2,34
